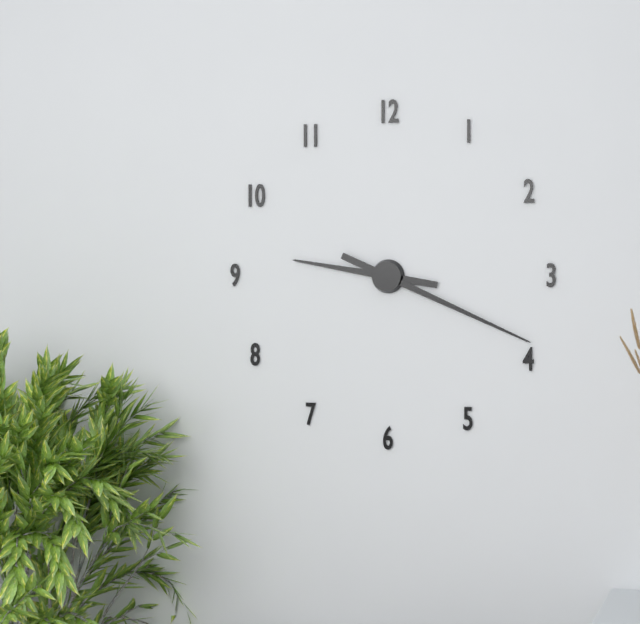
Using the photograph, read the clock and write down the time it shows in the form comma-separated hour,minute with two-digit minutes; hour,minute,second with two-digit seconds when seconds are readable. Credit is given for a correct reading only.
9,19
